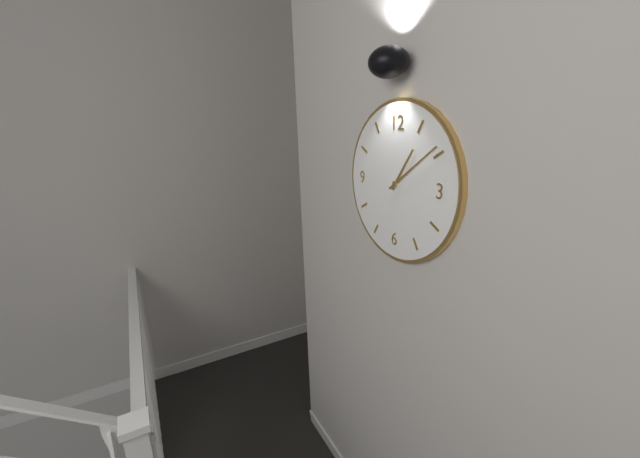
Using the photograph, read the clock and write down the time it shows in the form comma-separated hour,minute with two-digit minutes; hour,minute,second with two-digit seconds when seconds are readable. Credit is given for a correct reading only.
1,09
